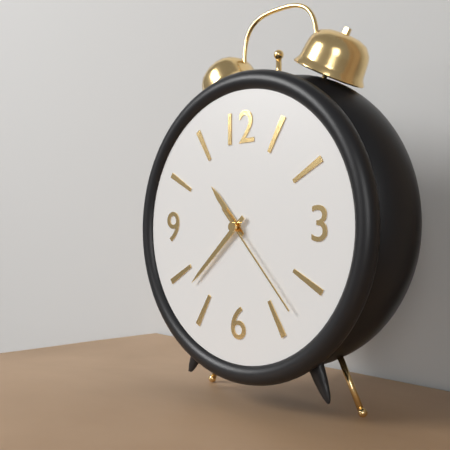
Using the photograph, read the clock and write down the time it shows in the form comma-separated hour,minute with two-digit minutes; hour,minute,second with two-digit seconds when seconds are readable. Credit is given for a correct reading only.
10,38,23
